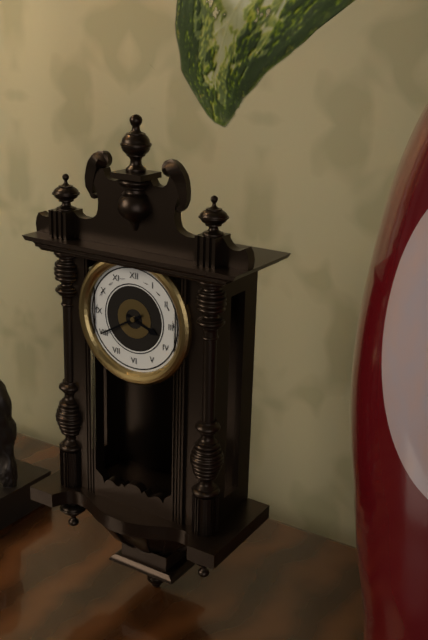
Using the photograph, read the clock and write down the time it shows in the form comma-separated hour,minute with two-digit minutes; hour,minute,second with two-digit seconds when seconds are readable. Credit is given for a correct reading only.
3,40
